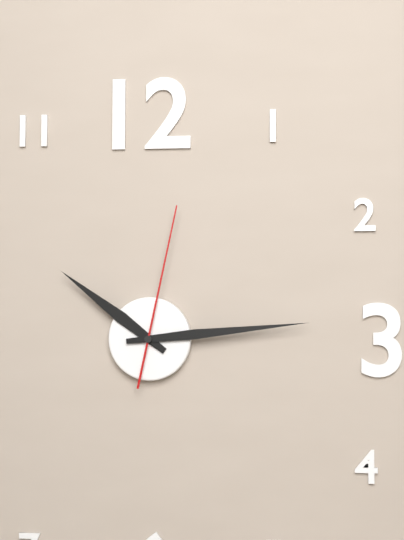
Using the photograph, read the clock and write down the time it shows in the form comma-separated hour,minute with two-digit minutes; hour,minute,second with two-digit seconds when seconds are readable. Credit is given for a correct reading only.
10,14,02
